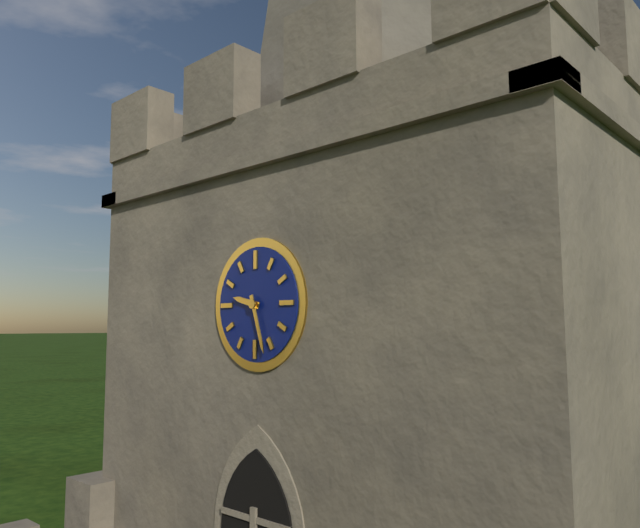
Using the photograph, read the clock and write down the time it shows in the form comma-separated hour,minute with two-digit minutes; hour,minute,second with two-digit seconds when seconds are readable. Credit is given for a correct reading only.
9,27
